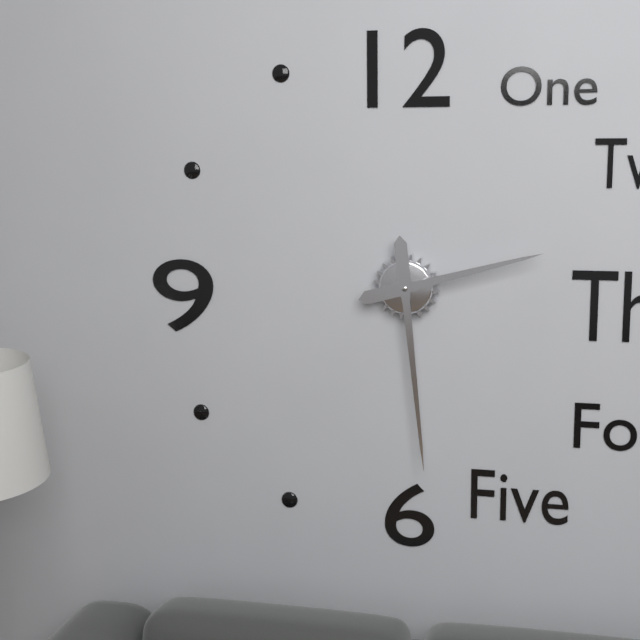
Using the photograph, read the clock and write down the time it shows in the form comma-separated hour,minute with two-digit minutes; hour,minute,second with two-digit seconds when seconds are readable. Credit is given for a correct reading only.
2,29
